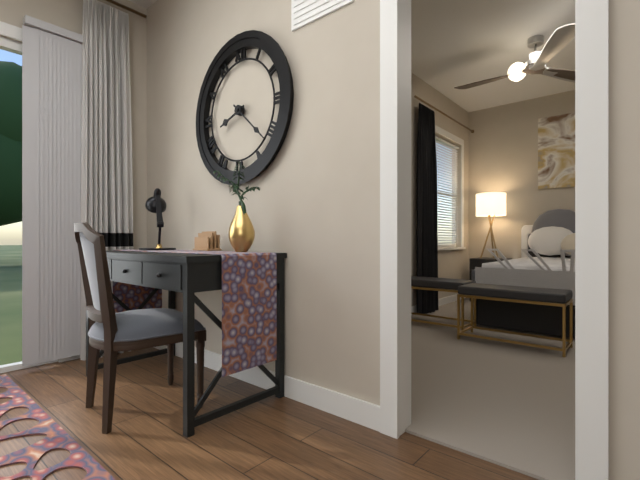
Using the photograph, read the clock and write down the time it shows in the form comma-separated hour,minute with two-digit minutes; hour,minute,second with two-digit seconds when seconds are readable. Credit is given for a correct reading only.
8,22
